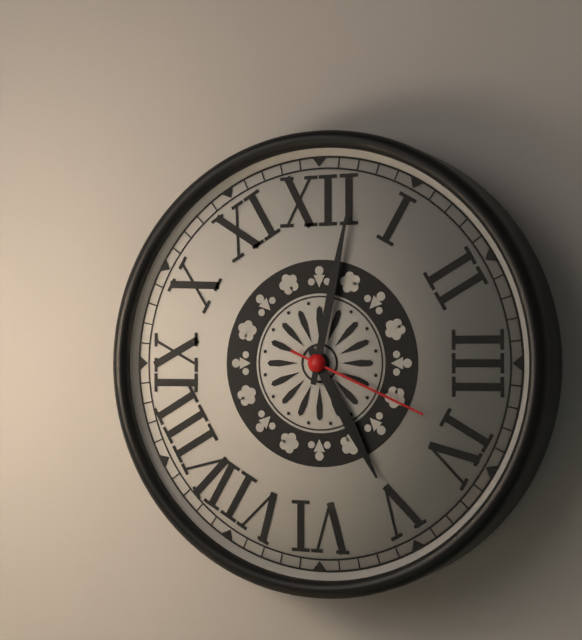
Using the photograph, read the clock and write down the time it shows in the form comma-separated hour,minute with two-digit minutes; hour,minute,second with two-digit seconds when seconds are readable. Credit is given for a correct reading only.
5,02,19
